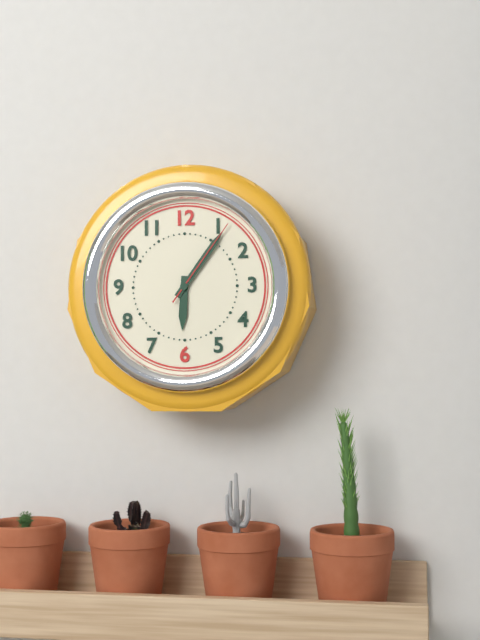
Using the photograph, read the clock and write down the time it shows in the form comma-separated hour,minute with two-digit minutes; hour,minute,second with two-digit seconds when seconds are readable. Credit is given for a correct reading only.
6,06,06
